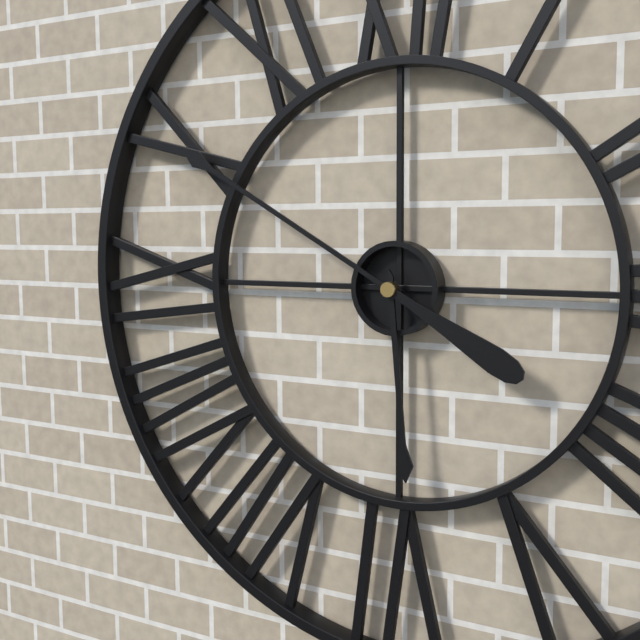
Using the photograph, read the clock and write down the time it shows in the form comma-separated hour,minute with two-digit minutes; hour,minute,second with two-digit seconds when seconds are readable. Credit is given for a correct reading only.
5,50
